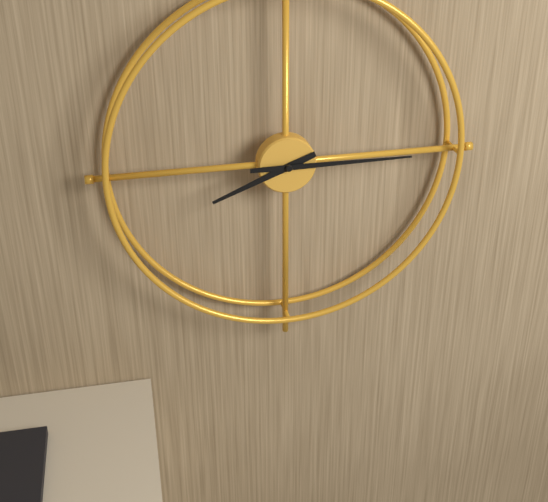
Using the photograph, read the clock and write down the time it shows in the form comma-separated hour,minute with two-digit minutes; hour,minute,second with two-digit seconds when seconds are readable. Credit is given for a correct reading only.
8,15
